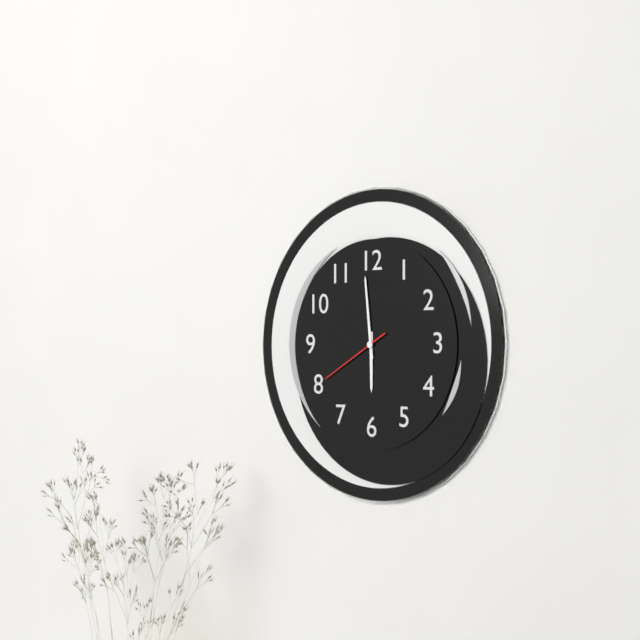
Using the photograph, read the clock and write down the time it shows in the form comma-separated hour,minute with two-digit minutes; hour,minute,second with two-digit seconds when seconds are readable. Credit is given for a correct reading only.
5,59,40
